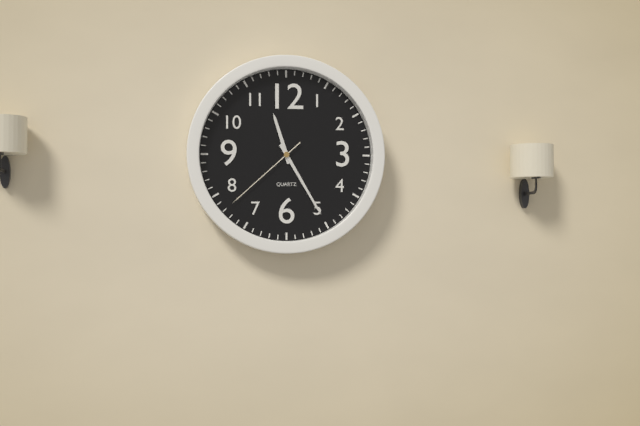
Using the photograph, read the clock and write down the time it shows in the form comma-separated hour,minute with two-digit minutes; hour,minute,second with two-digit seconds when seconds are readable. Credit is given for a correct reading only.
11,25,38
